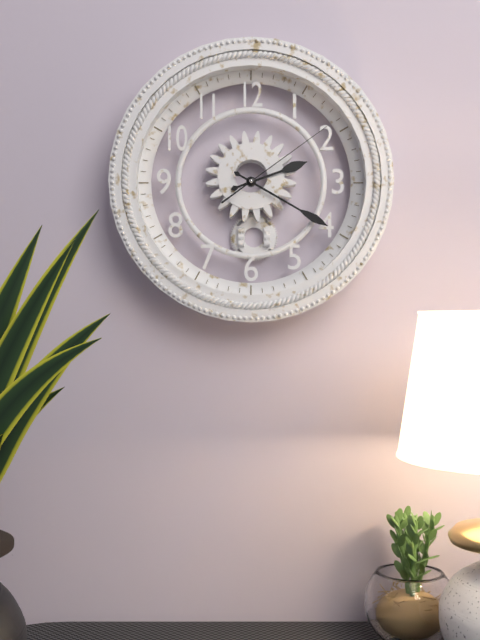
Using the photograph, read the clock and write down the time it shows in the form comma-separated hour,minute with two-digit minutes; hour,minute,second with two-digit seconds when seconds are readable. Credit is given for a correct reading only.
2,20,09
